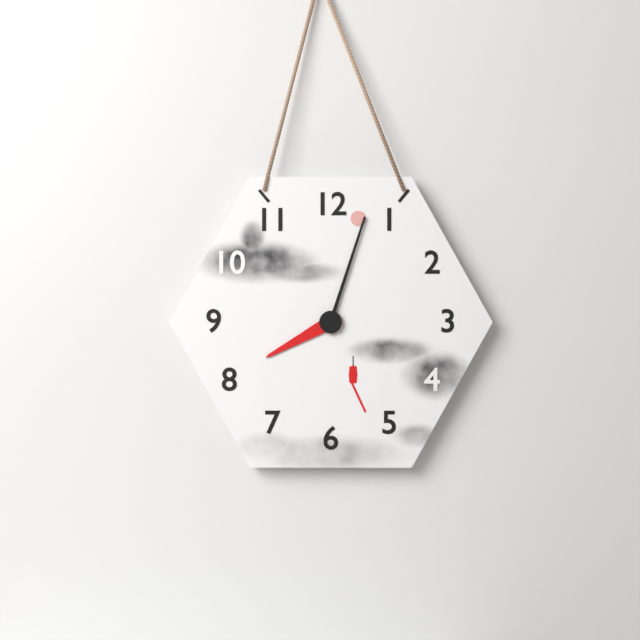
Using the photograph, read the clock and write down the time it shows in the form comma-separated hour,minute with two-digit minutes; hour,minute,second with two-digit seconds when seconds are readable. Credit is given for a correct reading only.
8,03
